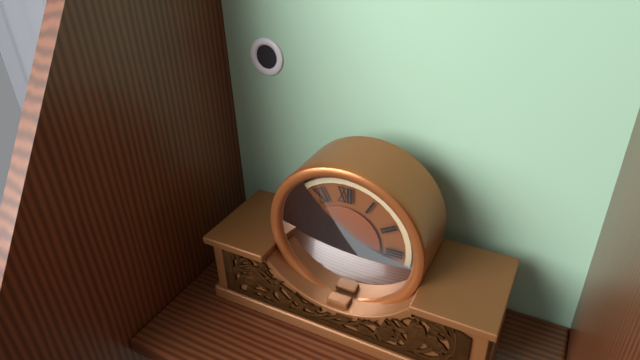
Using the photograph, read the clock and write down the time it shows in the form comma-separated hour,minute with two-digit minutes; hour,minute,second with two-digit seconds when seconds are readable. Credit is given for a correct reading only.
5,16
